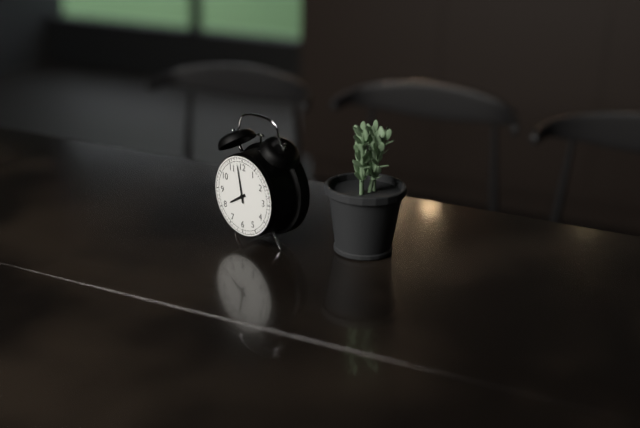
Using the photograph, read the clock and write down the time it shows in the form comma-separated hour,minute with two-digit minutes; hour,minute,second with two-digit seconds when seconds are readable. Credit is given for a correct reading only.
7,58
